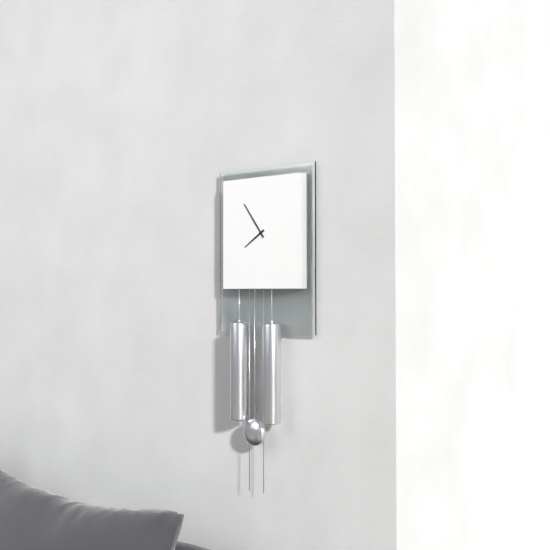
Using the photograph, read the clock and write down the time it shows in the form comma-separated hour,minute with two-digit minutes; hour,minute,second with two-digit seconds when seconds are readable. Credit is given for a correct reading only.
7,54
